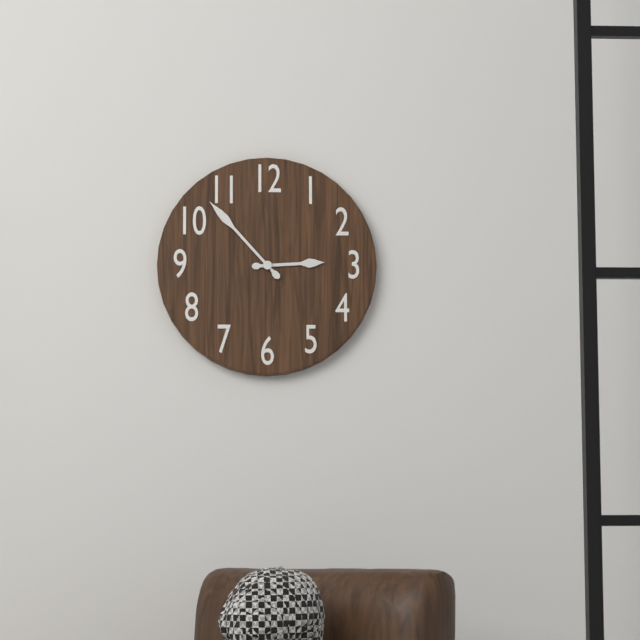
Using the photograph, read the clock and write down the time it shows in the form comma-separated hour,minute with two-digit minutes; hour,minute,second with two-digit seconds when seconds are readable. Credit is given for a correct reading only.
2,53
